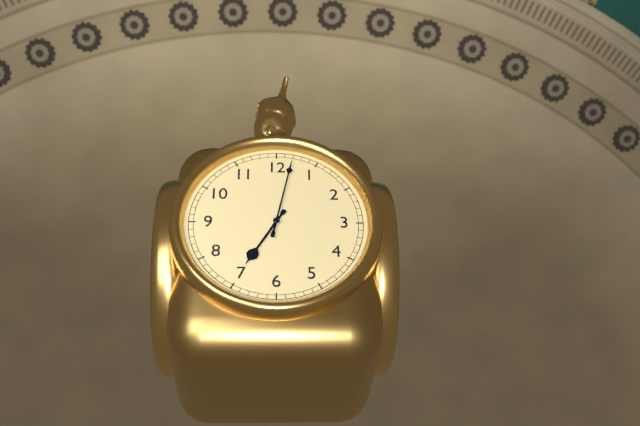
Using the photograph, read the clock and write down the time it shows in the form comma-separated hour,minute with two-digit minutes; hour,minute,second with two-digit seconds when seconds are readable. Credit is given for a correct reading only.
7,02
